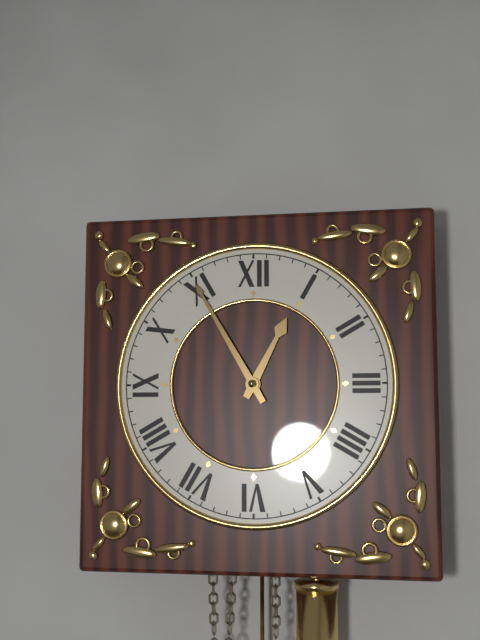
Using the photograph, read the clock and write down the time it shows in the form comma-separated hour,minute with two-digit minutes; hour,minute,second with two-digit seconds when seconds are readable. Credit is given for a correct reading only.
12,55
